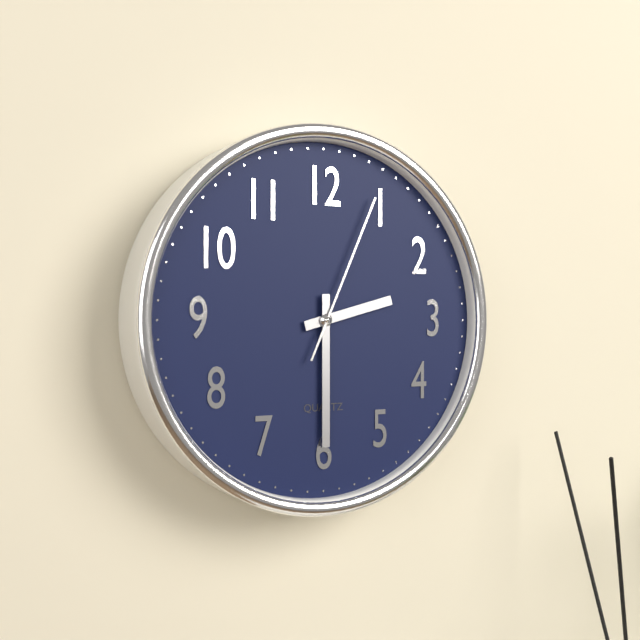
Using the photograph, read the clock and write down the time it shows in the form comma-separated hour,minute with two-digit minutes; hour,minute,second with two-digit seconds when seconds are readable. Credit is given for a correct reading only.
2,30,04
